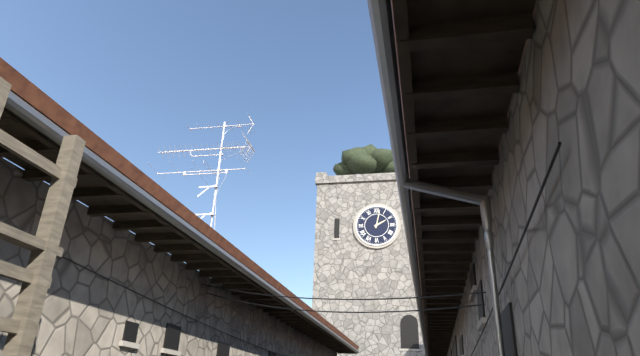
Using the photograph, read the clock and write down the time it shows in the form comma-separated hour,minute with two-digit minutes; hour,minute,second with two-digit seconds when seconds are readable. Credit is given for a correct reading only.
2,02
